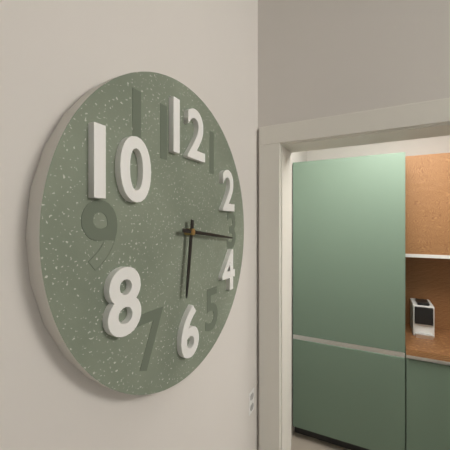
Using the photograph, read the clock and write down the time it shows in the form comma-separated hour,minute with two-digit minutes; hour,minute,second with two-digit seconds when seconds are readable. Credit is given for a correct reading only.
6,16
